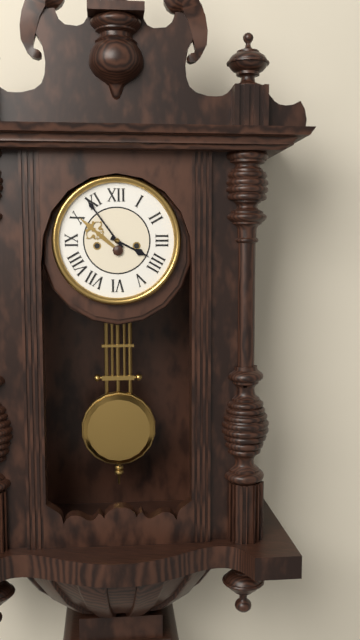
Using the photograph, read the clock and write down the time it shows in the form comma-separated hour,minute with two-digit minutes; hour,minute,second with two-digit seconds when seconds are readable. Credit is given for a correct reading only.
3,54
